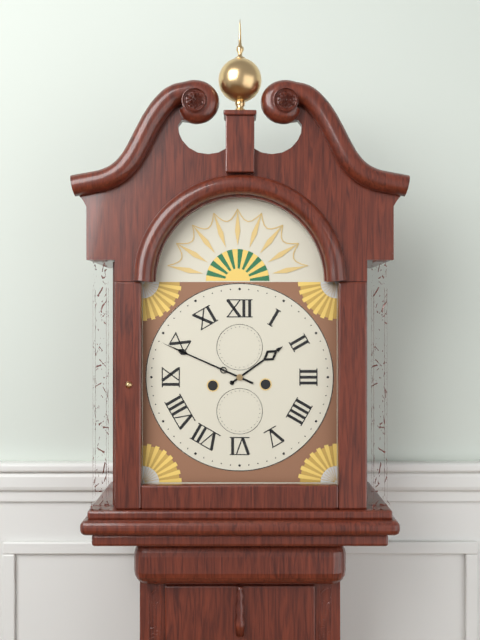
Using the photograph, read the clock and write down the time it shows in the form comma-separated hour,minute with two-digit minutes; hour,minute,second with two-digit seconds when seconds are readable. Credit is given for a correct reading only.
1,49
